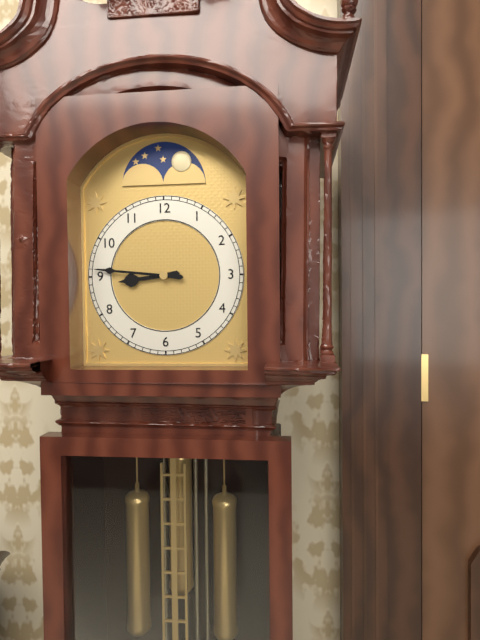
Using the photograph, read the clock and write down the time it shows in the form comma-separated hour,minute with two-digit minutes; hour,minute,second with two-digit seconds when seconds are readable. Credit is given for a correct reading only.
8,46
